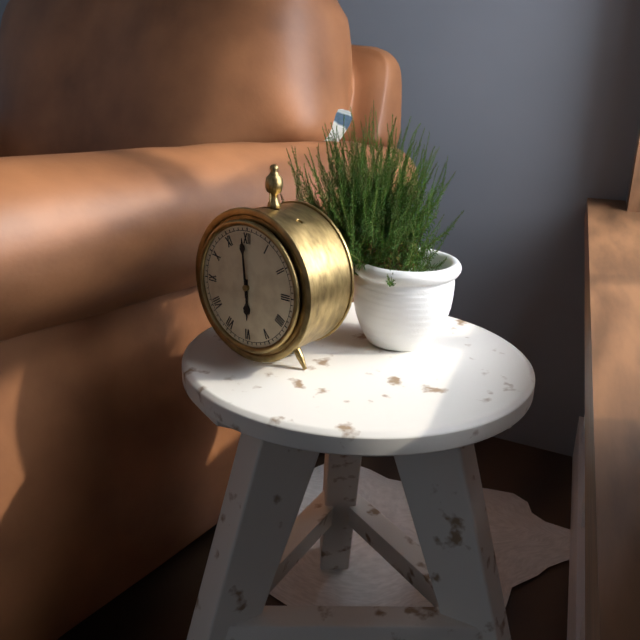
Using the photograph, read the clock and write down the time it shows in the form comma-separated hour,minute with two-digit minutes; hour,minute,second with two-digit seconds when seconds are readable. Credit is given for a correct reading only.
5,59
